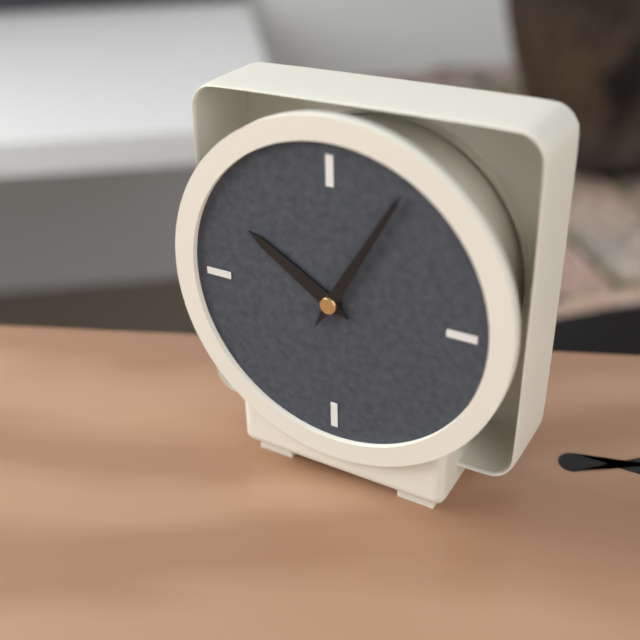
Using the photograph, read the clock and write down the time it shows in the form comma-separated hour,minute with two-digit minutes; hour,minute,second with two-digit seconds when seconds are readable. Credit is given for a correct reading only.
10,05
